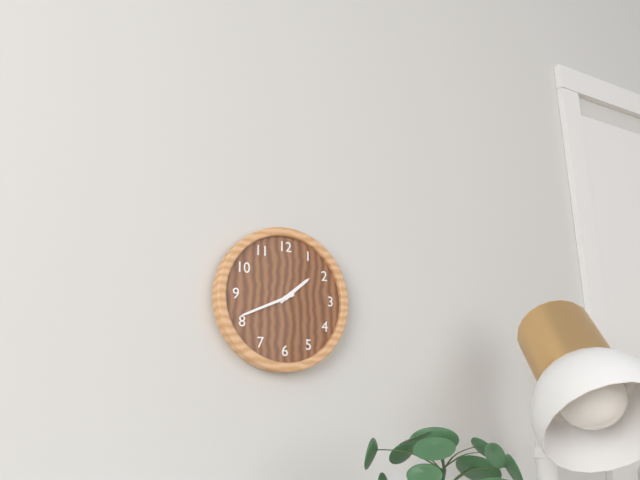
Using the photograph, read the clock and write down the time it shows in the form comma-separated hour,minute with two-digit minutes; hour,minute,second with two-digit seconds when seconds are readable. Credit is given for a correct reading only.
1,41
